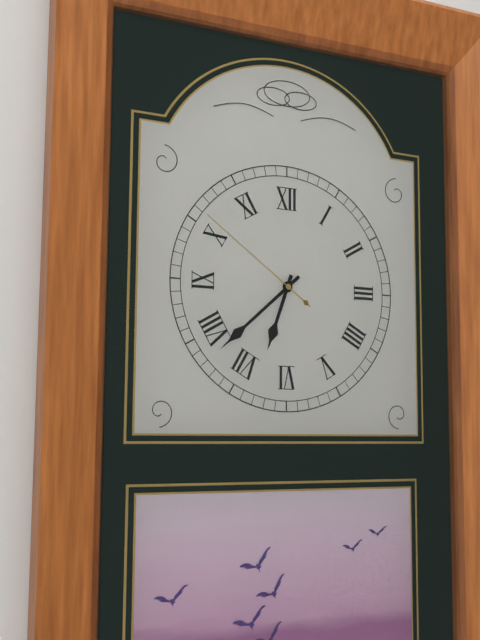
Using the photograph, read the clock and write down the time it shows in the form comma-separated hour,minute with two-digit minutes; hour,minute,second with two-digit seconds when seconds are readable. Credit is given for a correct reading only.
6,38,51
